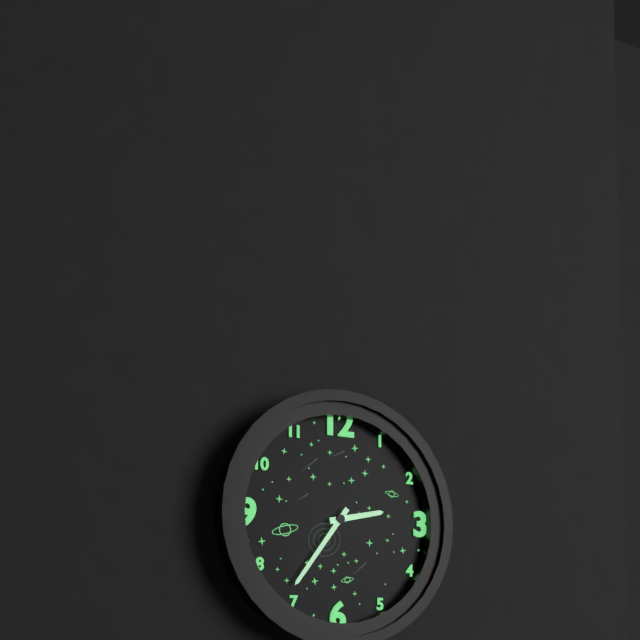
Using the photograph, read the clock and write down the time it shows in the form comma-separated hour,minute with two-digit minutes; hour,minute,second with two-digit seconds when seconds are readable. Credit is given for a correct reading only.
2,36
